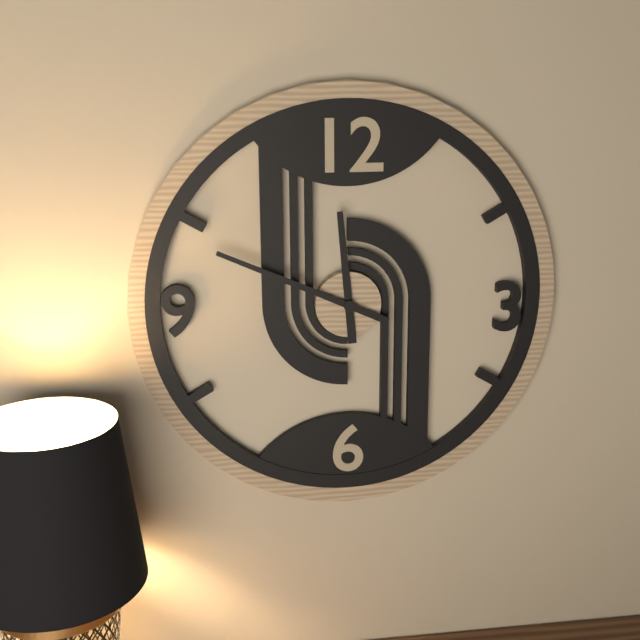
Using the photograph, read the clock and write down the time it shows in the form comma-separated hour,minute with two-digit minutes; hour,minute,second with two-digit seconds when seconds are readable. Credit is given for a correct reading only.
11,49
